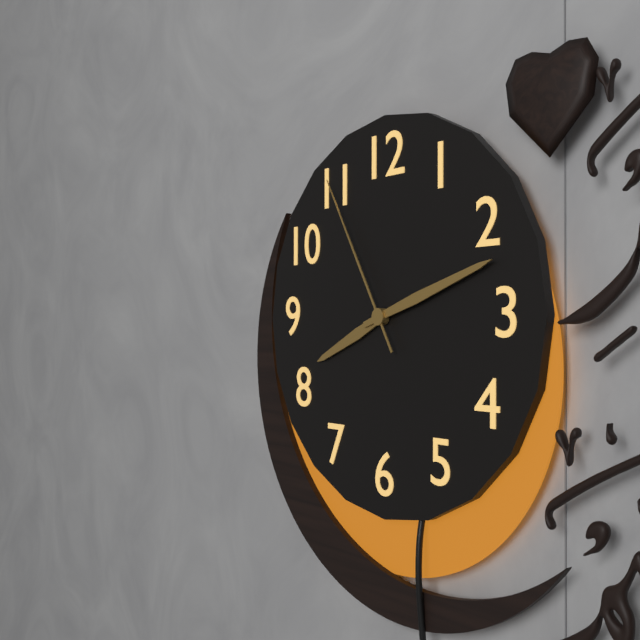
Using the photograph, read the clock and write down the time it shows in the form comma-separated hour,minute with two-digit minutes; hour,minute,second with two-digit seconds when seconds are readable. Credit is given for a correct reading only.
8,12,55
